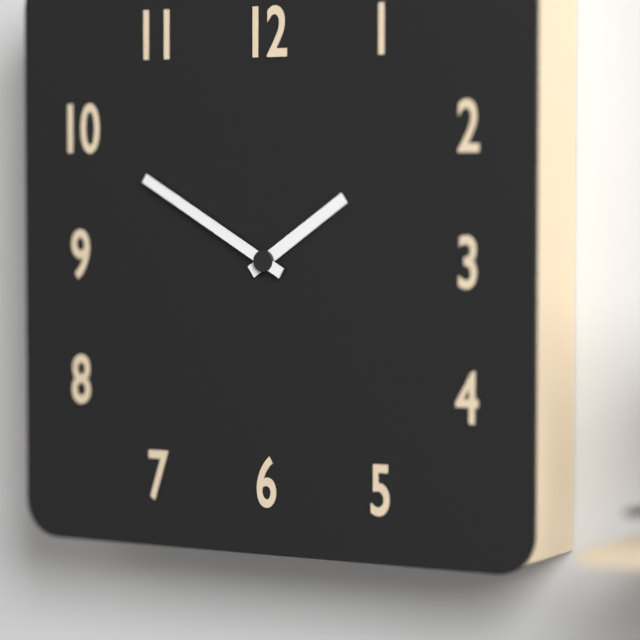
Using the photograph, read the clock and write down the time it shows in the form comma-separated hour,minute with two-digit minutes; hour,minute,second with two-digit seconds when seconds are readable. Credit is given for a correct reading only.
1,50
